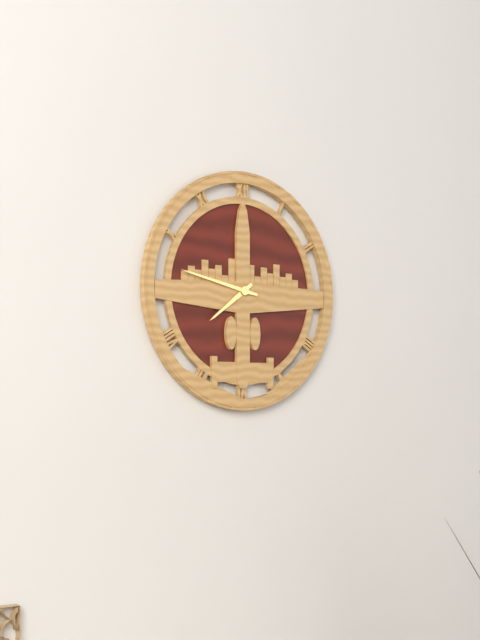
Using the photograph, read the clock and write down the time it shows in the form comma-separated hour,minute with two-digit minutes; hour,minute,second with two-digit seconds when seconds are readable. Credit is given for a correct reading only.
7,47
